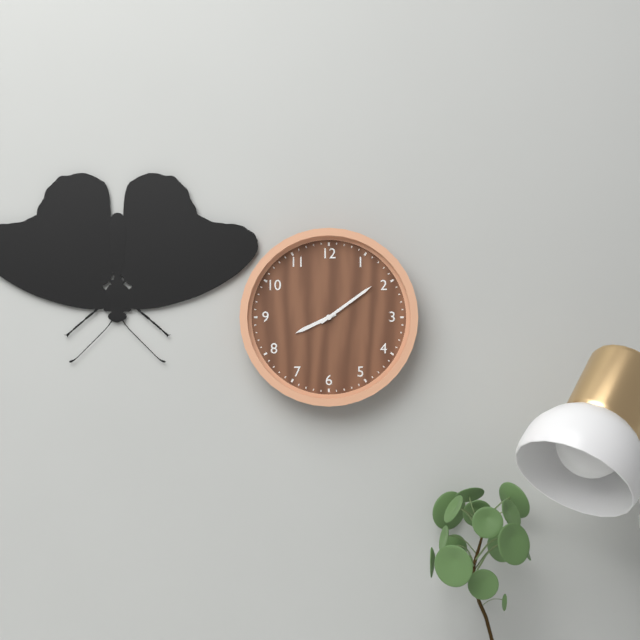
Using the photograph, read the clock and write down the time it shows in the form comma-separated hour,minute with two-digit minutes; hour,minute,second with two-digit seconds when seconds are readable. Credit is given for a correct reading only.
8,09
